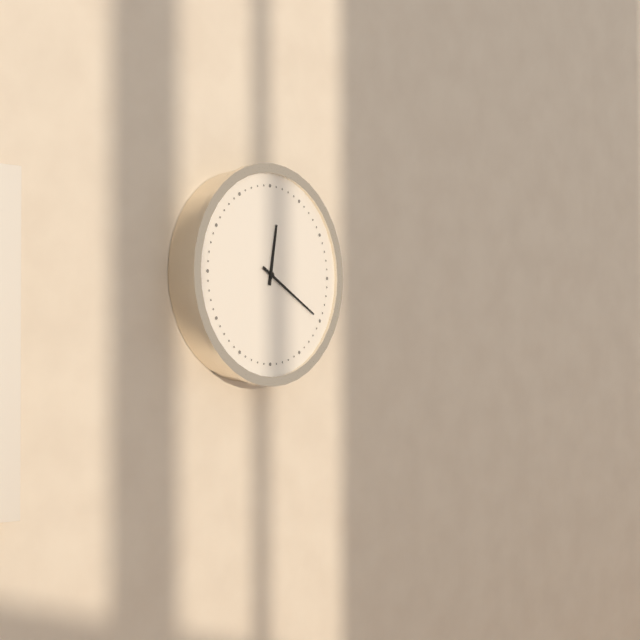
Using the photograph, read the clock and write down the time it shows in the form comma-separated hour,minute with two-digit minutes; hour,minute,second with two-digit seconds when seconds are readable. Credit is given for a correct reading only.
12,20
